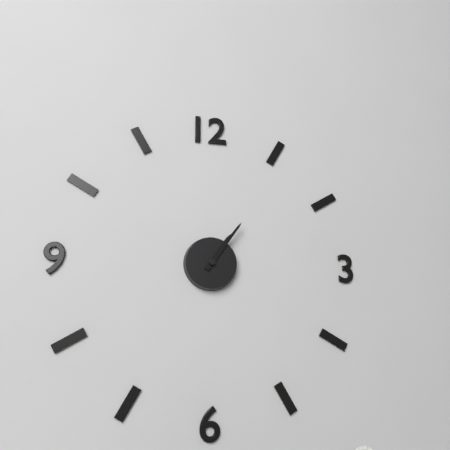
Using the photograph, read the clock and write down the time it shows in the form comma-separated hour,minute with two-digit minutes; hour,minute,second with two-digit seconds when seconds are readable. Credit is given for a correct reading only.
1,06
